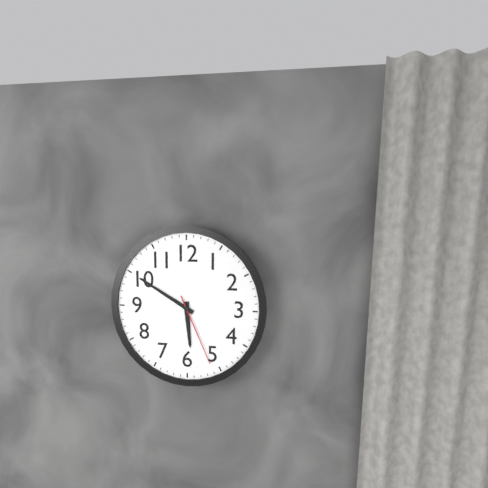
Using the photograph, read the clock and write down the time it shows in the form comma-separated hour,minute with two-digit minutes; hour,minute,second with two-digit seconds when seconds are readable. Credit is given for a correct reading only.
5,50,26
